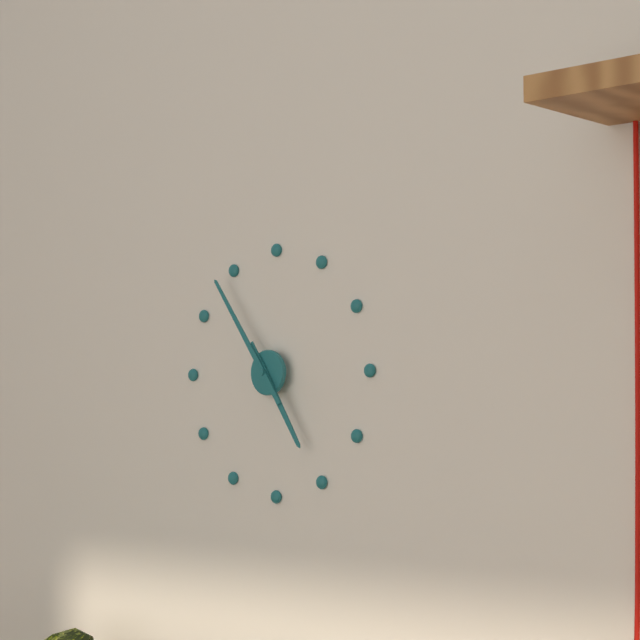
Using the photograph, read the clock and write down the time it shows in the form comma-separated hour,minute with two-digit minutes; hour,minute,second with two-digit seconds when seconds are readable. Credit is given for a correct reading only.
4,54
